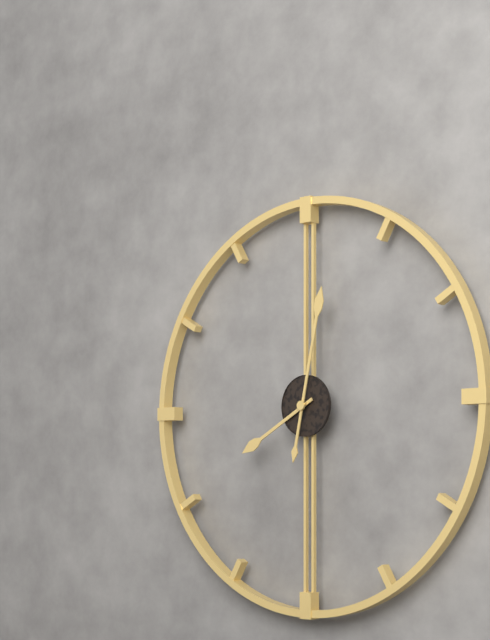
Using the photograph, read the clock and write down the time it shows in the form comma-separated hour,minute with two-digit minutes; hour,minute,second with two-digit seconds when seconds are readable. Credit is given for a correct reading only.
8,02
